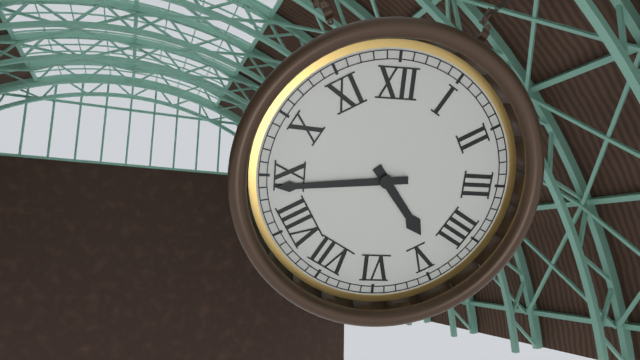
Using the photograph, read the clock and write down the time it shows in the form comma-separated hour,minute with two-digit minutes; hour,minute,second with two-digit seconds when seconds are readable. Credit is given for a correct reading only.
4,44
